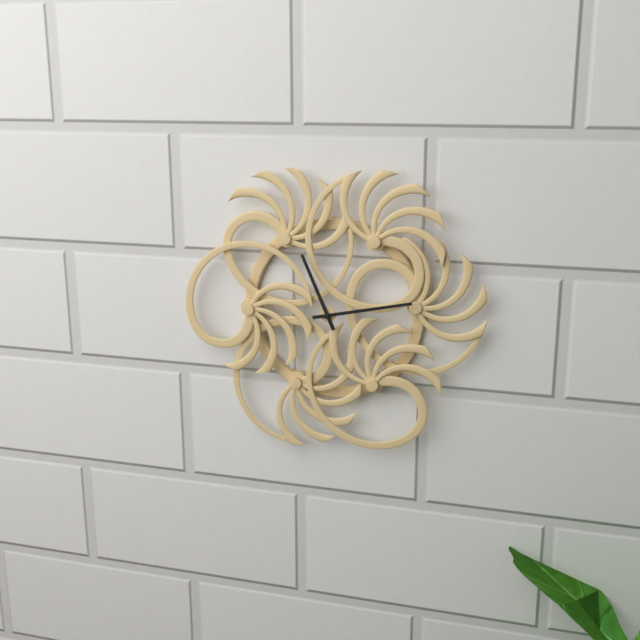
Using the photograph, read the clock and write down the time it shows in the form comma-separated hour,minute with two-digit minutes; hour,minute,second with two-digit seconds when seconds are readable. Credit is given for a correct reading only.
11,13
